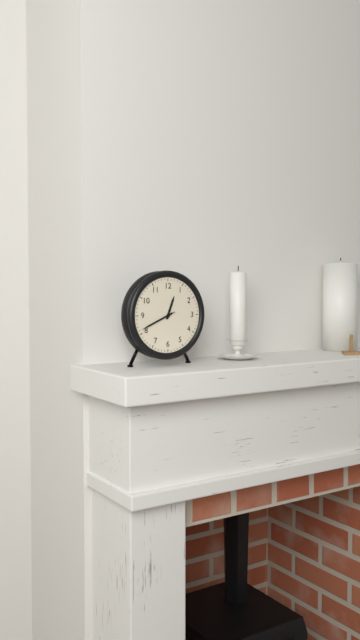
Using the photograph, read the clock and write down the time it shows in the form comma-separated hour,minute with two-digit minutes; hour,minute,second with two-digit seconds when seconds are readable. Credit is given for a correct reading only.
12,41
